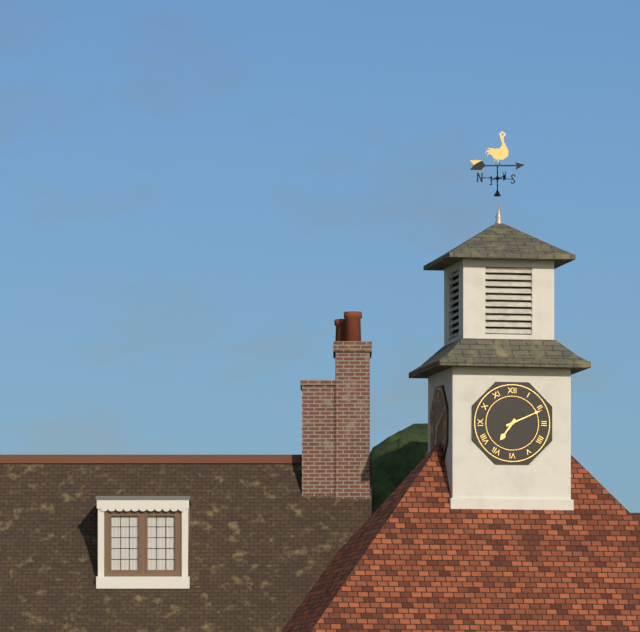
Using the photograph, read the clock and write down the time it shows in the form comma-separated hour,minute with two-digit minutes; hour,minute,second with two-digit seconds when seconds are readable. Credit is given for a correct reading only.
7,11
